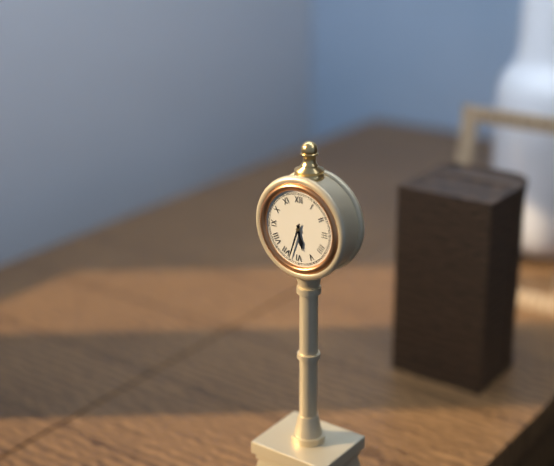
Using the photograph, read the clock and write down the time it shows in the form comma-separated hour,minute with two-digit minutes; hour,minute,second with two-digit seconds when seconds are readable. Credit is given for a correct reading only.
5,33
